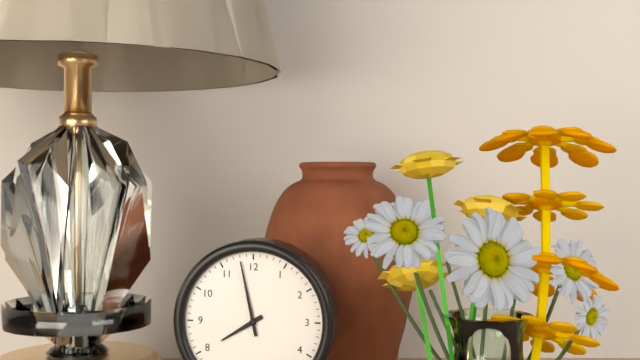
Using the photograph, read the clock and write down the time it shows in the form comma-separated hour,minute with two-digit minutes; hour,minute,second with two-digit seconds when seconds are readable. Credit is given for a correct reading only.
7,58
